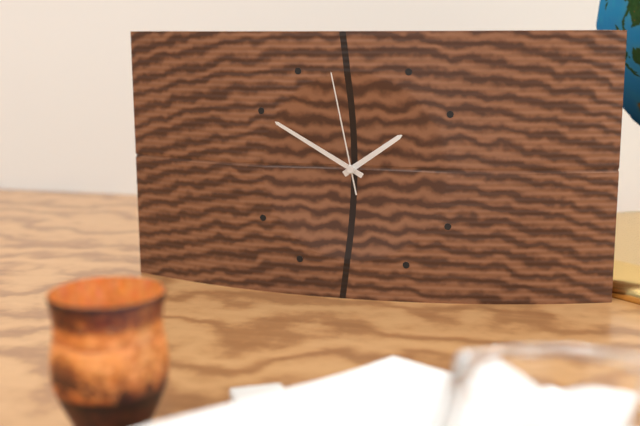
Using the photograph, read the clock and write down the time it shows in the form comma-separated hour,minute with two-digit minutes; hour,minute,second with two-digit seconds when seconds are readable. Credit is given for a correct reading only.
1,50,58
